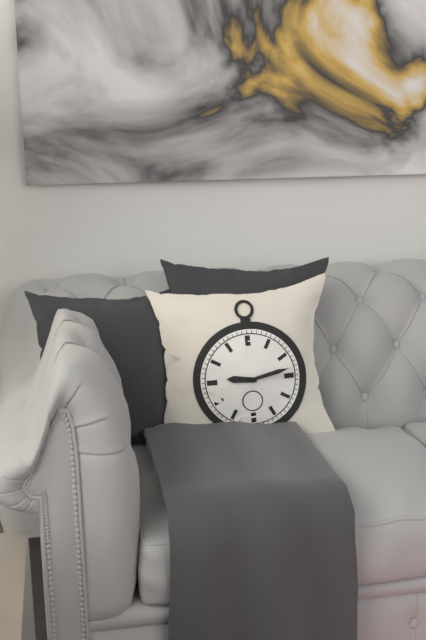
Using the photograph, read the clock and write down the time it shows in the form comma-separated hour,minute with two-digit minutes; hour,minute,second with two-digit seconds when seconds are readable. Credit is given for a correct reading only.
9,13
